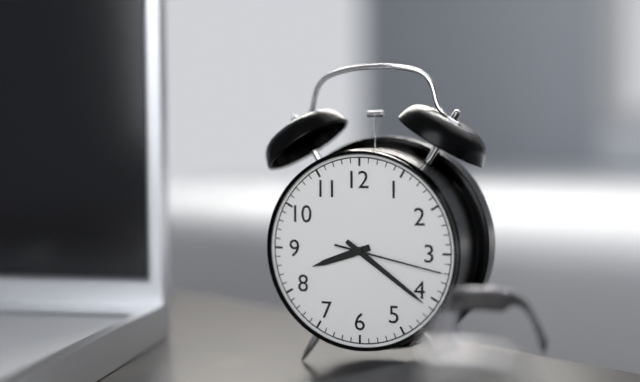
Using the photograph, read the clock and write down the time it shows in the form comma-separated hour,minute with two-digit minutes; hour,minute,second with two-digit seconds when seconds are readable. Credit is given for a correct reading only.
8,21,17
